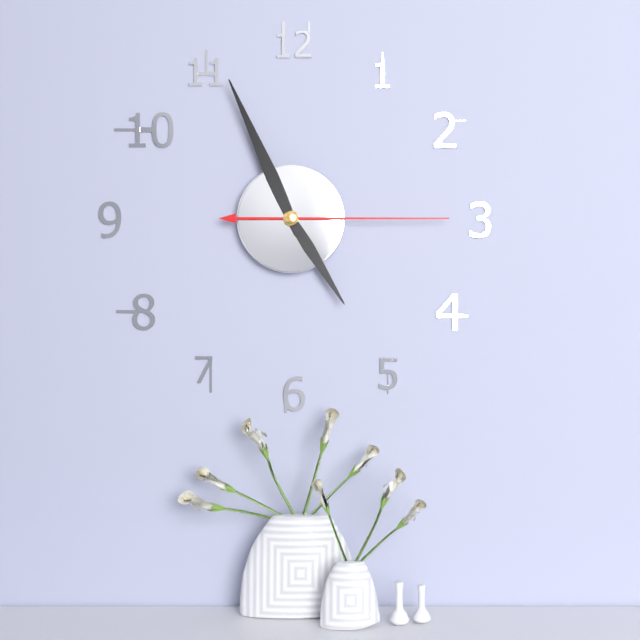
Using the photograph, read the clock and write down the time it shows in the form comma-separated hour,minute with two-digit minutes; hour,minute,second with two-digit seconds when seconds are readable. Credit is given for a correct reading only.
4,56,15
